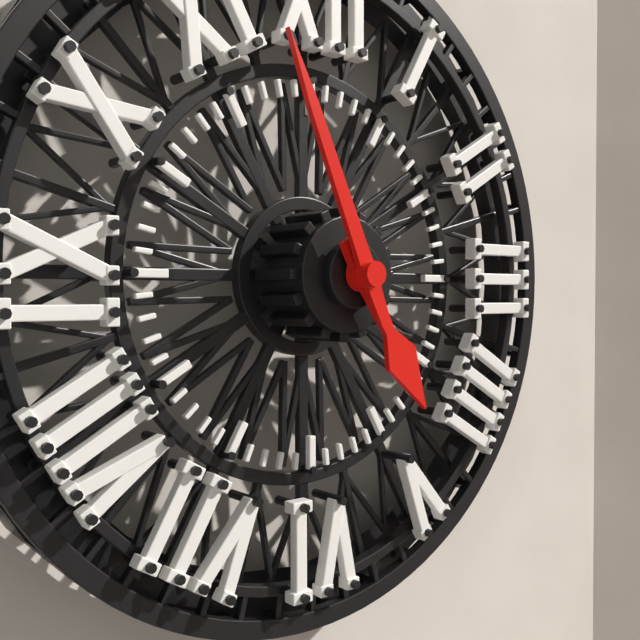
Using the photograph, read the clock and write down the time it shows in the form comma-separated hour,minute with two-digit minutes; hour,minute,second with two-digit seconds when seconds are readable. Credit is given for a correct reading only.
4,56
